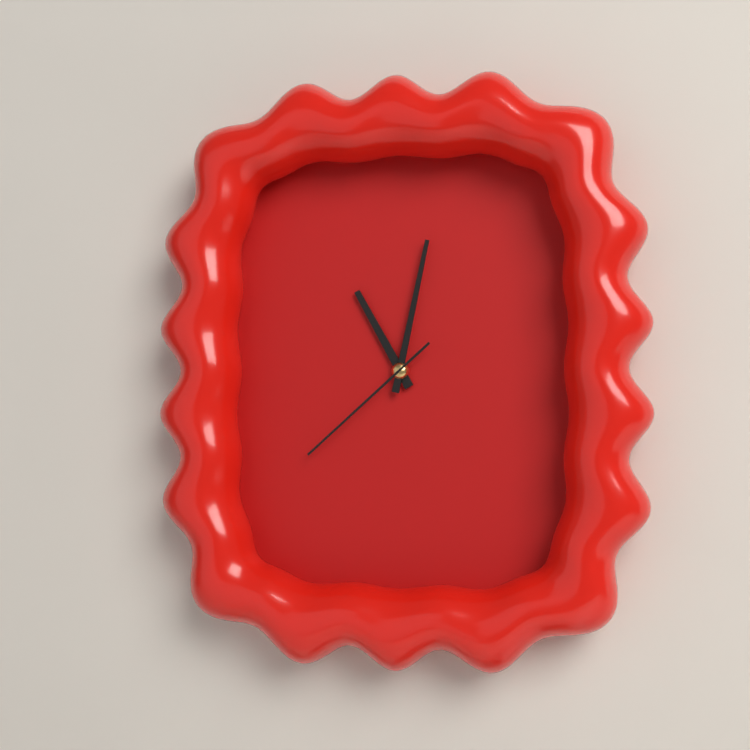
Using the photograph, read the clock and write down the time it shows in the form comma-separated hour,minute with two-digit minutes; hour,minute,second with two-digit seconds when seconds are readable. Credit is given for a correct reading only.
11,02,38
